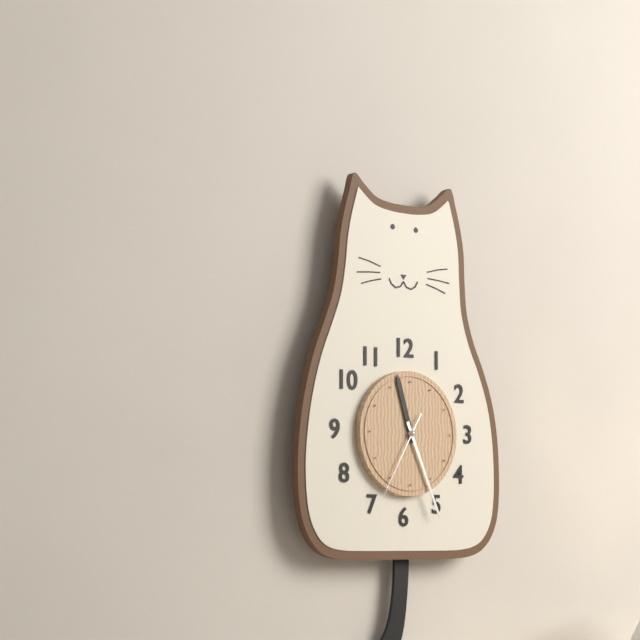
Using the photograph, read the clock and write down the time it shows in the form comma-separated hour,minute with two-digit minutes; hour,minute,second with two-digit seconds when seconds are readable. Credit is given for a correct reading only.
11,26,35
